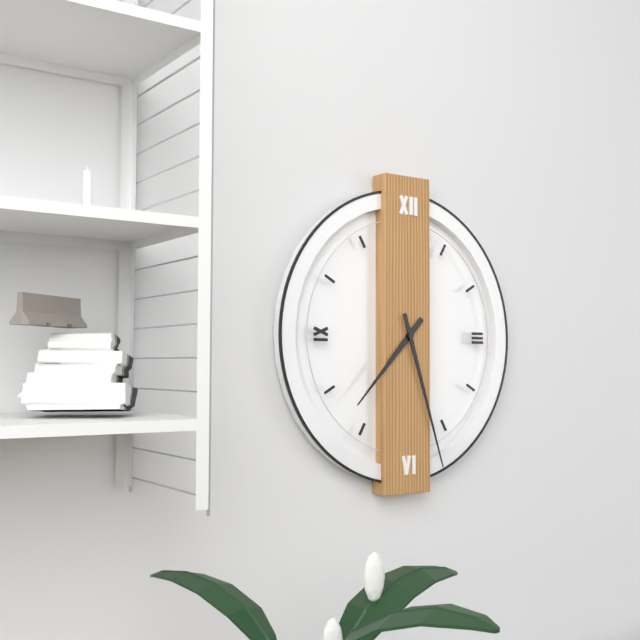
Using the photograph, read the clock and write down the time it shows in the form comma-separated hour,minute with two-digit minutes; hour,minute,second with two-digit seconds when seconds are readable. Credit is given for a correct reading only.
7,27
